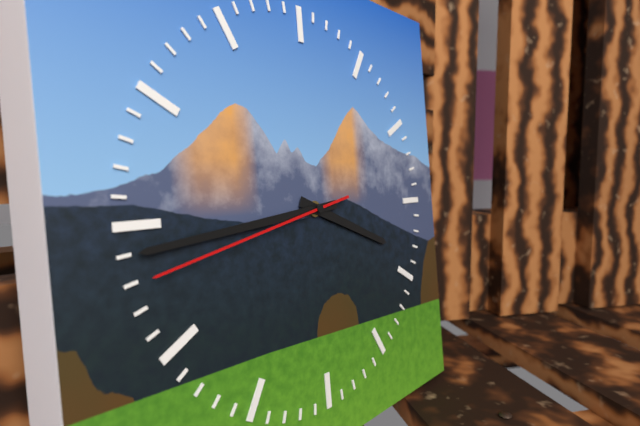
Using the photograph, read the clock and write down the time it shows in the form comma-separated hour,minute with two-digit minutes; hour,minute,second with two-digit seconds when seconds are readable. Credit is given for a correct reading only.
3,44,43
